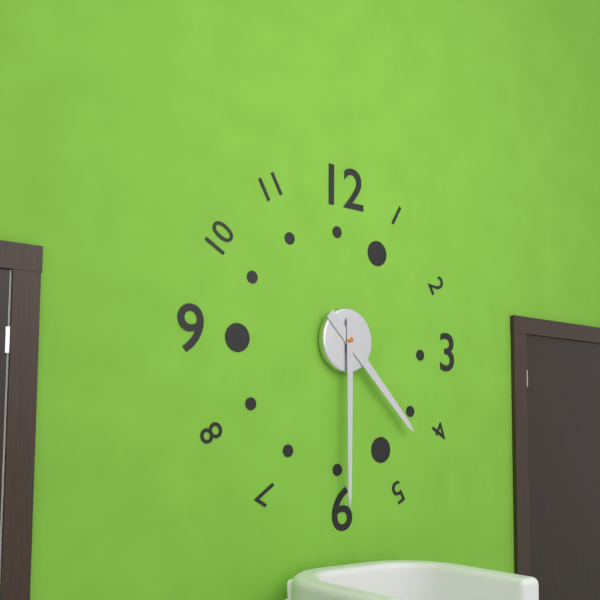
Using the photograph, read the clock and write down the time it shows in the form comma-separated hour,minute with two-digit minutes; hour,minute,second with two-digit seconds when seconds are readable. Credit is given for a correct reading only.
4,30
